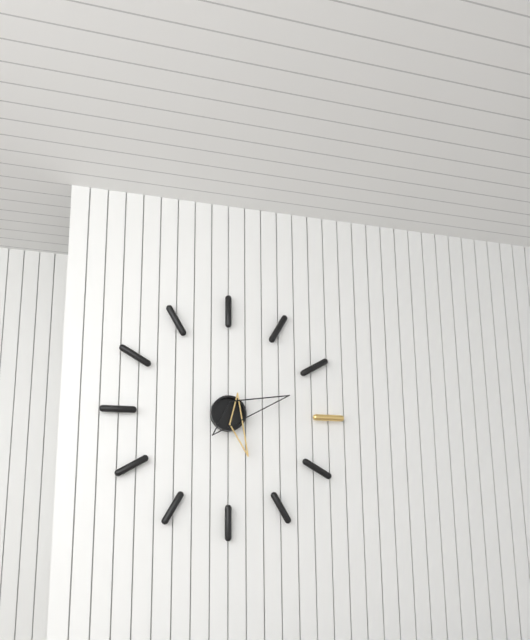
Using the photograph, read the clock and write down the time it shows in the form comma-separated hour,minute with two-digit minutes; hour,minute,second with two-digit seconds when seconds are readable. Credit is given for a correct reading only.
5,12
